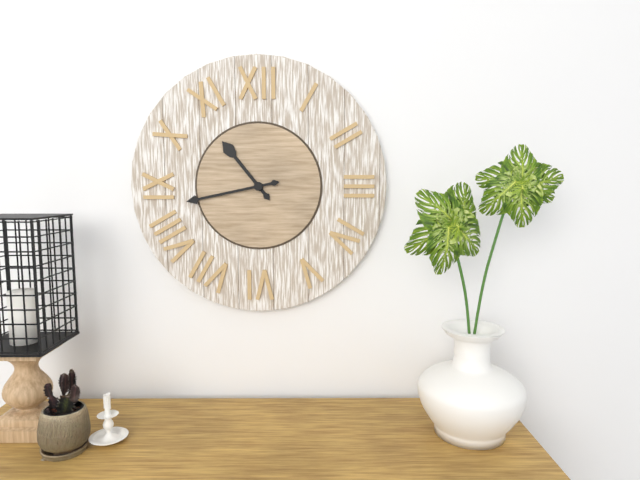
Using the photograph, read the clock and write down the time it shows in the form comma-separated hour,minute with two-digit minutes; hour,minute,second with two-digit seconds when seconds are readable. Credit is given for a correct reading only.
10,43
